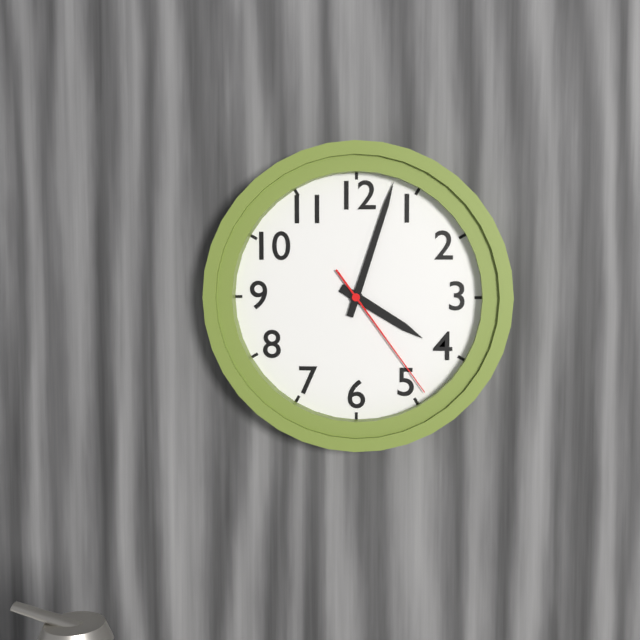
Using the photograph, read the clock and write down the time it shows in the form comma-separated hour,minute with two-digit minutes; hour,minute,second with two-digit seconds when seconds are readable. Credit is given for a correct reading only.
4,03,24
